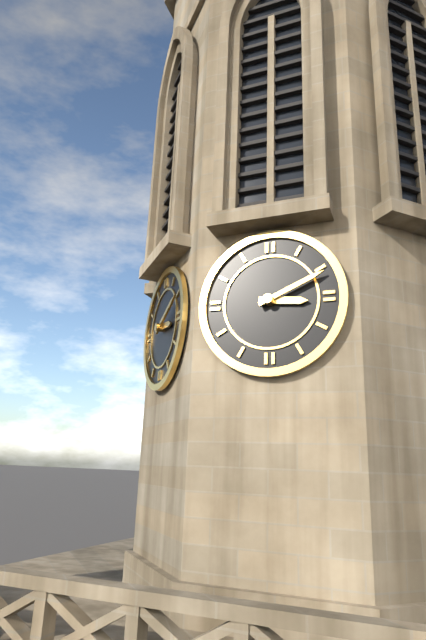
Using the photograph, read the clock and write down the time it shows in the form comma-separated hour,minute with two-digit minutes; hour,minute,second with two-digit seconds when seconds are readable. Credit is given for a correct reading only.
3,11
